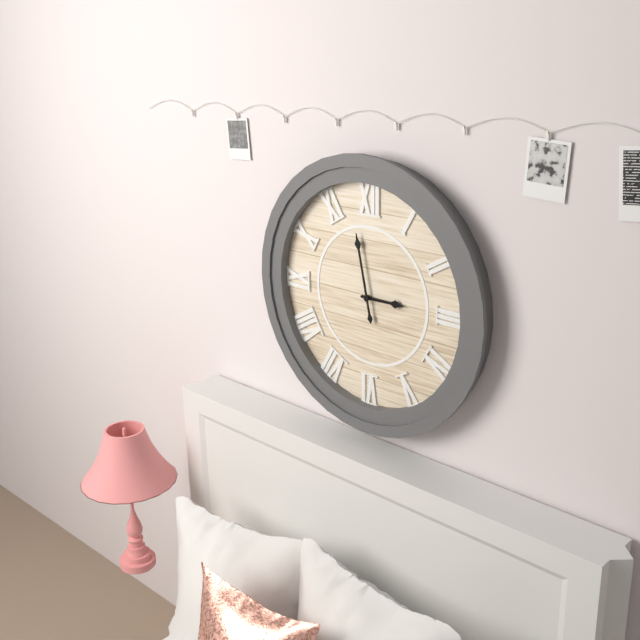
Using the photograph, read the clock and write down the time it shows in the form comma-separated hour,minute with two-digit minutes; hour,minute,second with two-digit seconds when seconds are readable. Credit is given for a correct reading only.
2,58
